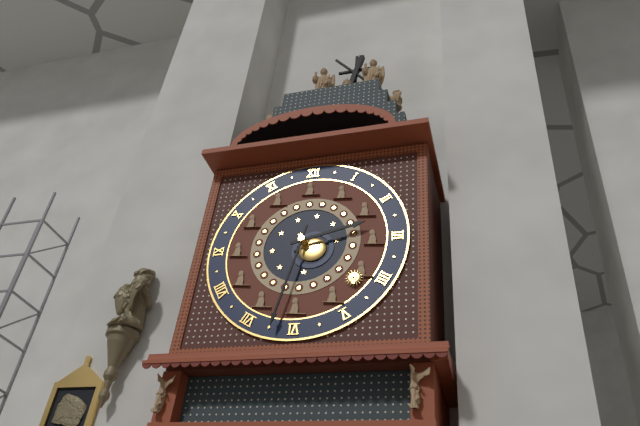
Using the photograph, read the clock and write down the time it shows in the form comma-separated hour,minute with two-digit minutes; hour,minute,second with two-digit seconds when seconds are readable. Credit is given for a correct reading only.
2,32
